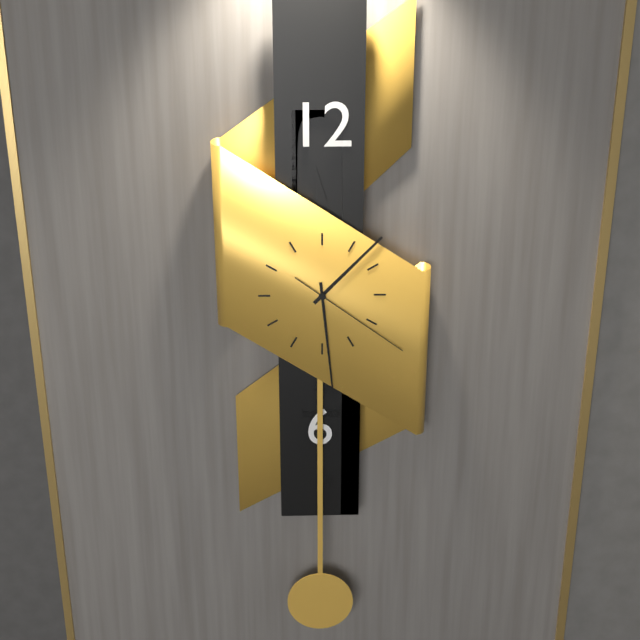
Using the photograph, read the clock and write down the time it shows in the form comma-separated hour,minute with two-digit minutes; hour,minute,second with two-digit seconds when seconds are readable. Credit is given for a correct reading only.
1,29,21
